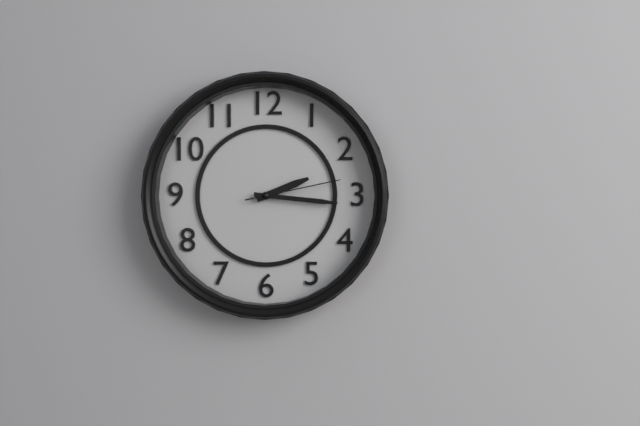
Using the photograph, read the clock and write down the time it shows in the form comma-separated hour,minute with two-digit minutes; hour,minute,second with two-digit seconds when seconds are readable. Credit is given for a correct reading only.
2,16,13
